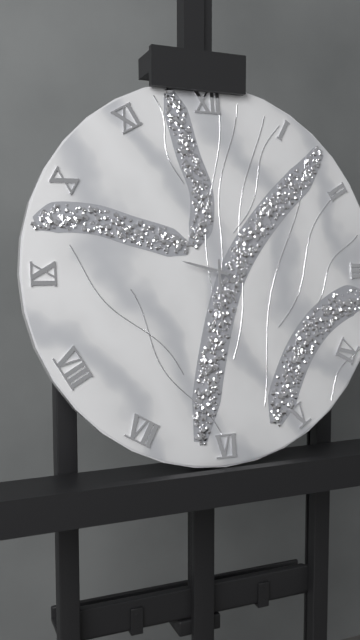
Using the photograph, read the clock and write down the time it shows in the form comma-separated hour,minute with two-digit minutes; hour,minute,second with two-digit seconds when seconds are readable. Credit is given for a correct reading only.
9,30
